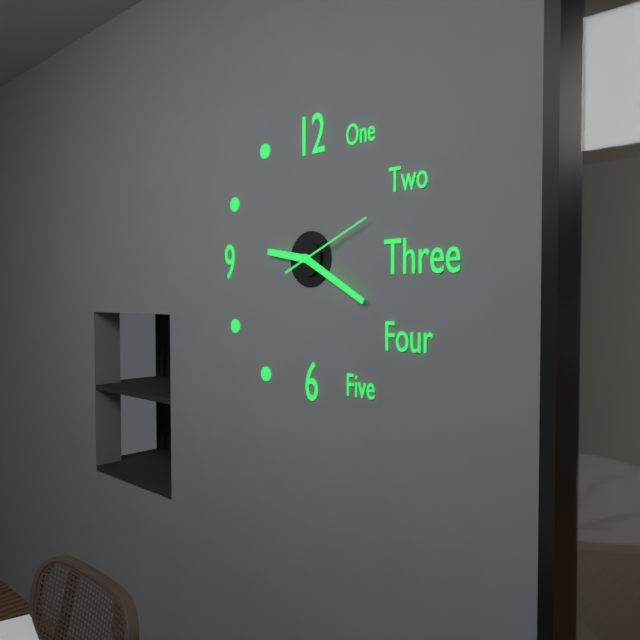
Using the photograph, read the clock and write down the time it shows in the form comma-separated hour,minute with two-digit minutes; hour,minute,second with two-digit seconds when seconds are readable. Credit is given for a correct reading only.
9,20,11
